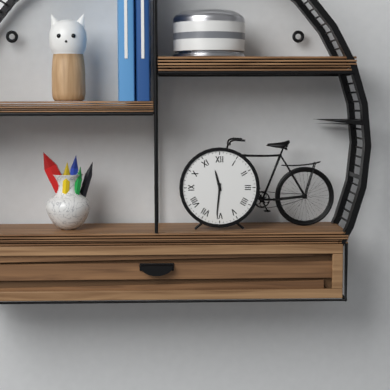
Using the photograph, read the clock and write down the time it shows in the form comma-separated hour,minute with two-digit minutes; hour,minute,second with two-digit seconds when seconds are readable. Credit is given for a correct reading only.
11,31
